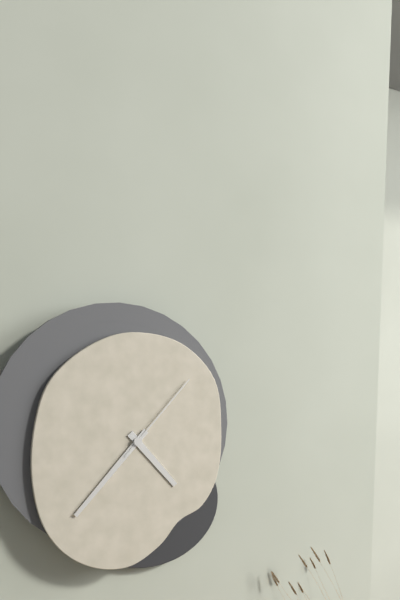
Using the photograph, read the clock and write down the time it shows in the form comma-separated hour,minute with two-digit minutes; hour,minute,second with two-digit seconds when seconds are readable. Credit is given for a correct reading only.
4,37,07
